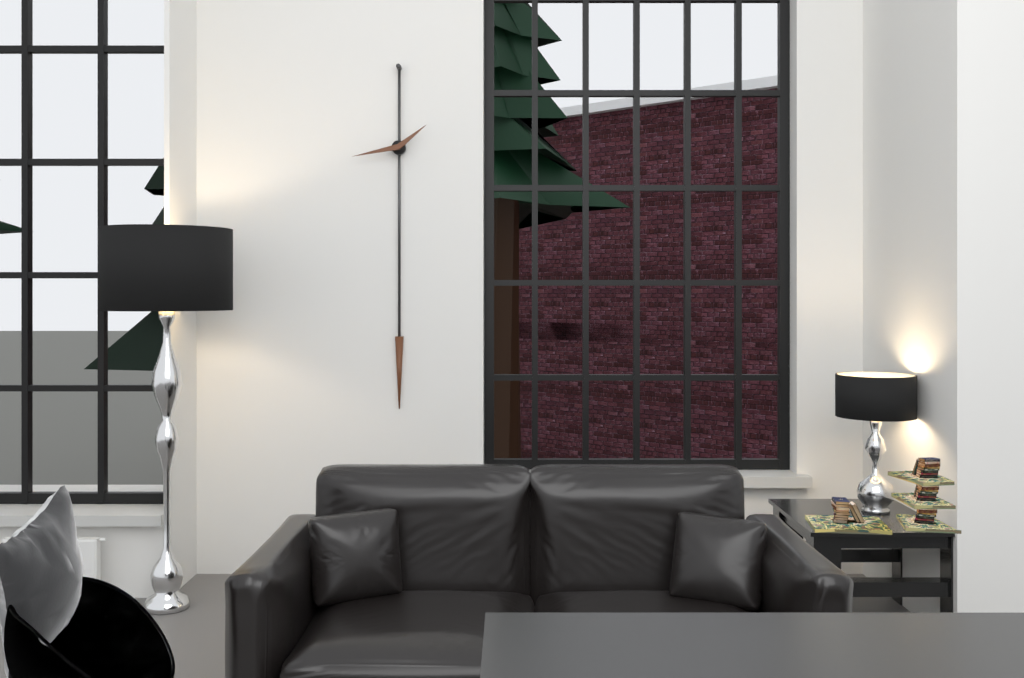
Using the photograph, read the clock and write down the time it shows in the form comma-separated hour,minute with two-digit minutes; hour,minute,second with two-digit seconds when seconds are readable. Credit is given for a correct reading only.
1,43
